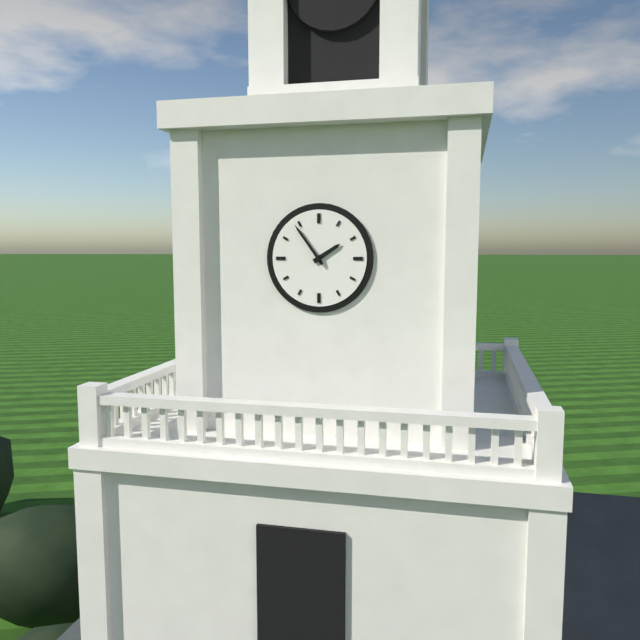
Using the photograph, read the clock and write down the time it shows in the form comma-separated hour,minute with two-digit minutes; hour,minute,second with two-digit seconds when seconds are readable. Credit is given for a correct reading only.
1,54
